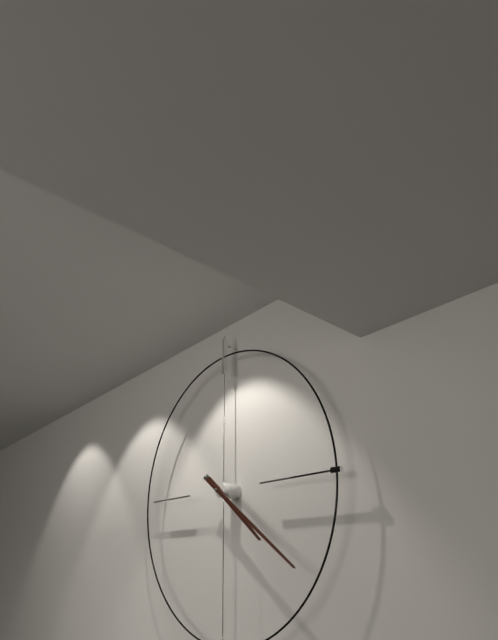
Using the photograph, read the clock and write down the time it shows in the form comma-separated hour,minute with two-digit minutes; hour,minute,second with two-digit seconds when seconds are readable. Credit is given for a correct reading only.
4,21
